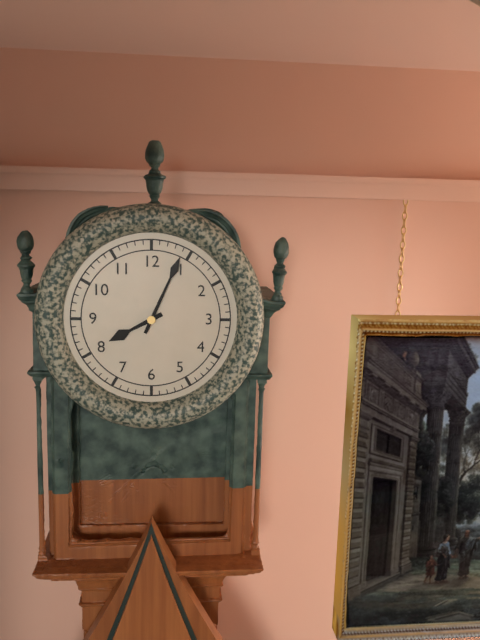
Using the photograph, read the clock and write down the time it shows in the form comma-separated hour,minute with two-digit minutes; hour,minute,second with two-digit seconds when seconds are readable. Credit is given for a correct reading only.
8,04
